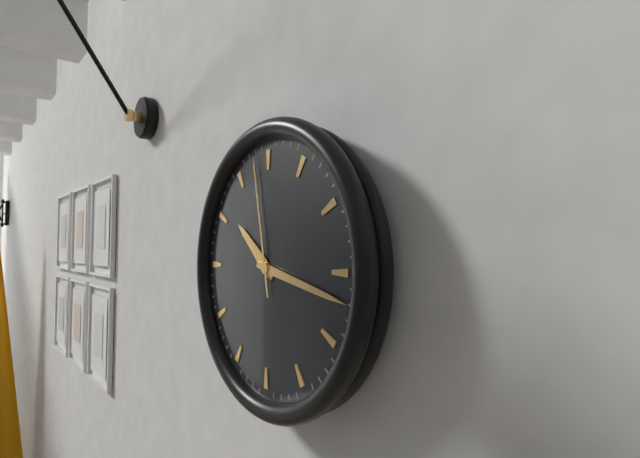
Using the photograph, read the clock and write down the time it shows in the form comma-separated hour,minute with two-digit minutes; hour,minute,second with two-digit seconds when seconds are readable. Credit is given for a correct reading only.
10,17,58
